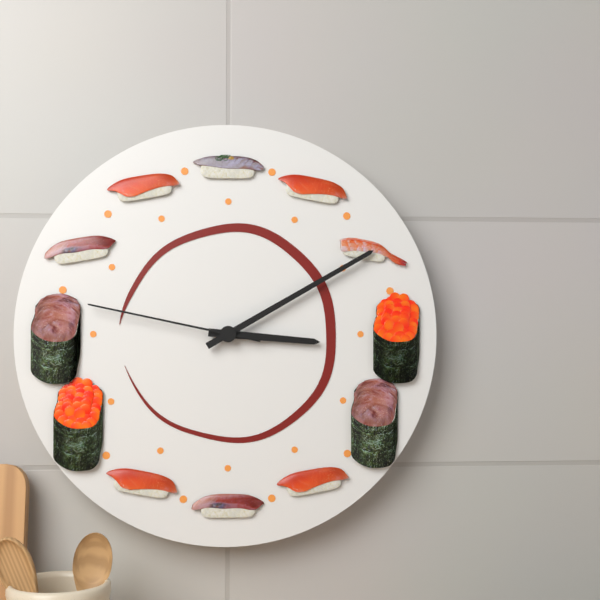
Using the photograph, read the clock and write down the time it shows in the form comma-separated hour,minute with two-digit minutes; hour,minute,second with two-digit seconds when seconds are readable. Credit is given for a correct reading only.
3,10,47
